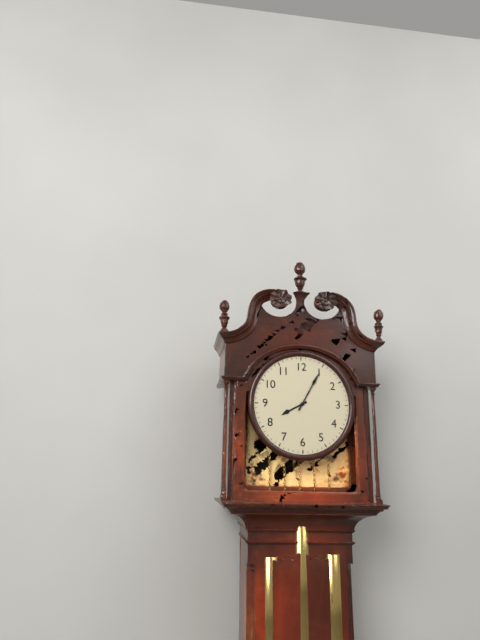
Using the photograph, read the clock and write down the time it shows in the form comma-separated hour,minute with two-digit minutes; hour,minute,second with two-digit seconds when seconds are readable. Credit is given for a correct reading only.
8,05
